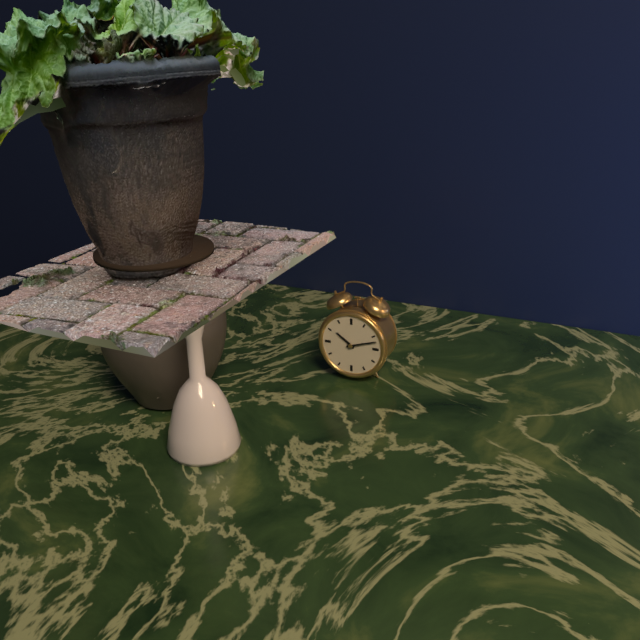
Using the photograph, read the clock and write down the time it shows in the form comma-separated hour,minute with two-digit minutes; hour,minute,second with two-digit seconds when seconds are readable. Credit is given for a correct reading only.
10,12
